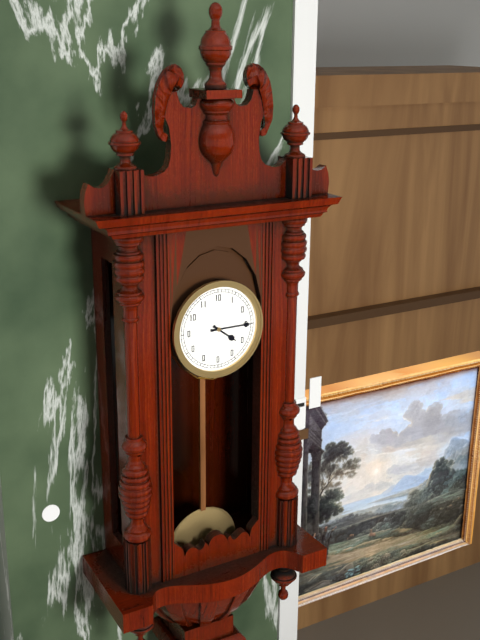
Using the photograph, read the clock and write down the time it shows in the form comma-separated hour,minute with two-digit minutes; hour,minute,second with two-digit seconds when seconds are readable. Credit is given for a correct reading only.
4,15
